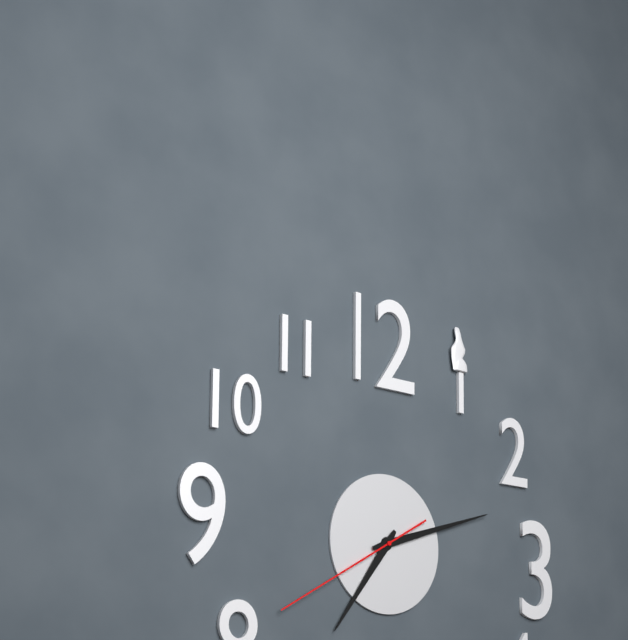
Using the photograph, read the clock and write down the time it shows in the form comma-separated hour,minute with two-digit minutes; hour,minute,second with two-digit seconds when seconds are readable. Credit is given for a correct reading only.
7,12,40
